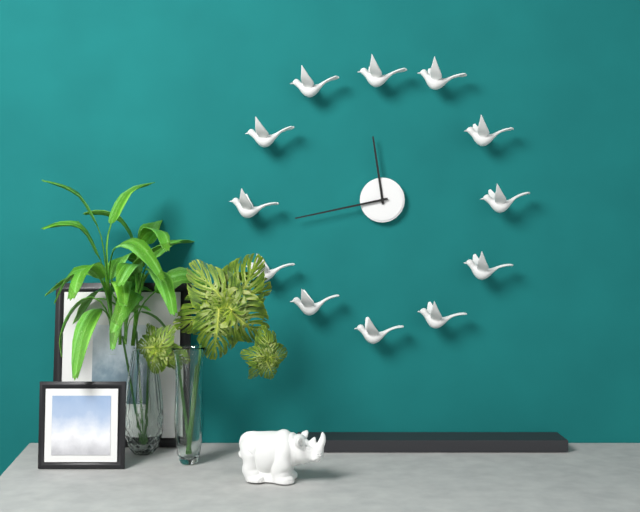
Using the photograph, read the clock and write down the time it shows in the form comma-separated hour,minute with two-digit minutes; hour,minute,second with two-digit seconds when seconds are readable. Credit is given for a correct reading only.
11,43
